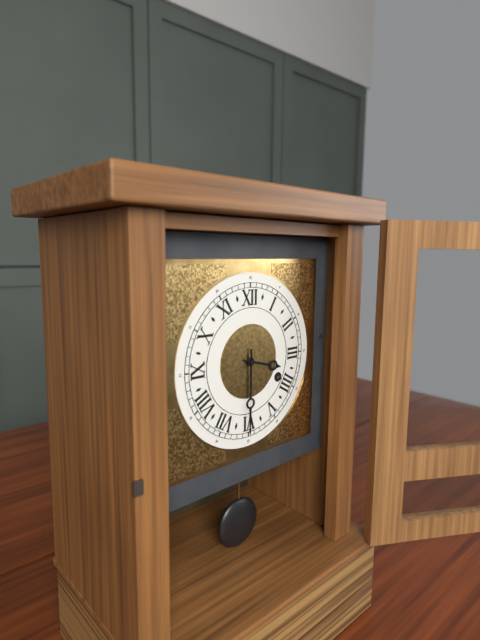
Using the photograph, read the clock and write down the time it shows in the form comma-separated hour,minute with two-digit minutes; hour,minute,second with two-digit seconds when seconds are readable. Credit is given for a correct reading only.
3,30
